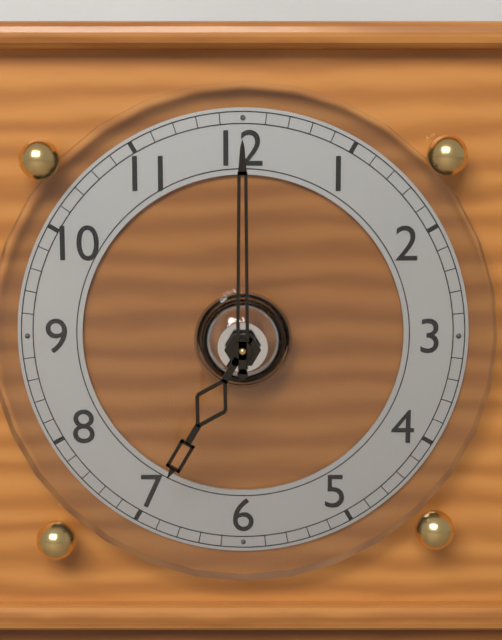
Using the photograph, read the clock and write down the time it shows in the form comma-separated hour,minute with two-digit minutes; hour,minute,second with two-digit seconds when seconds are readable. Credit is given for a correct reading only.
7,00
